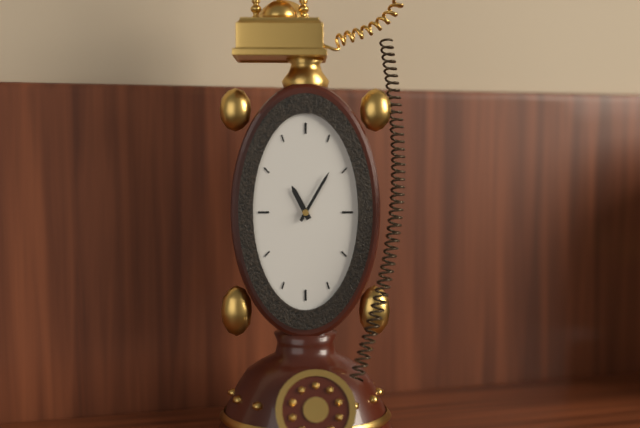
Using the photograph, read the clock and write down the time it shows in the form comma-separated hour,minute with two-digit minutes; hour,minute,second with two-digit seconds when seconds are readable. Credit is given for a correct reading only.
11,05
